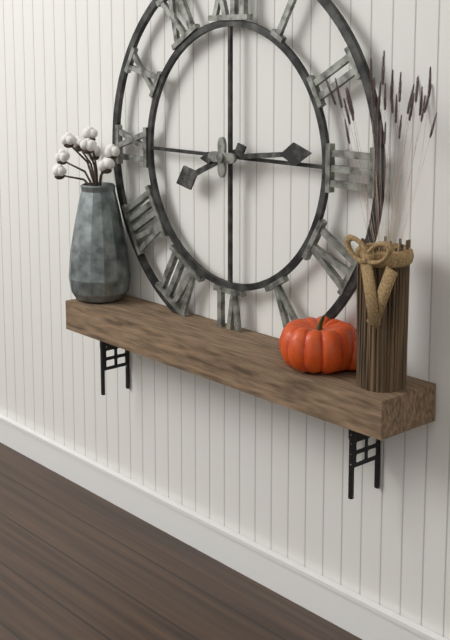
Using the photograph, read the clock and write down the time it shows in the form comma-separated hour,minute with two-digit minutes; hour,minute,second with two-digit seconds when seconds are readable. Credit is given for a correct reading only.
8,14
